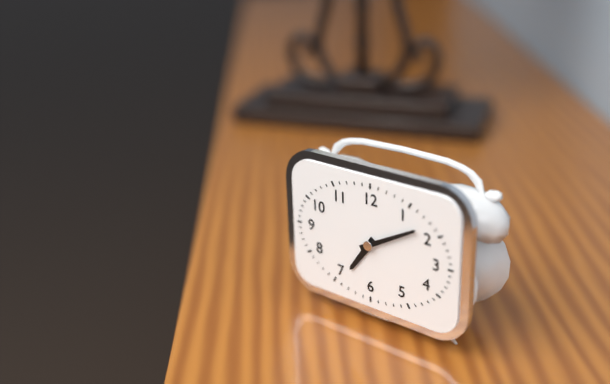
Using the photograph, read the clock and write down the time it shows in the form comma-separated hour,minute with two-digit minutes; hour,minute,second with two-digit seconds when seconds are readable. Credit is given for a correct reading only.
7,10
